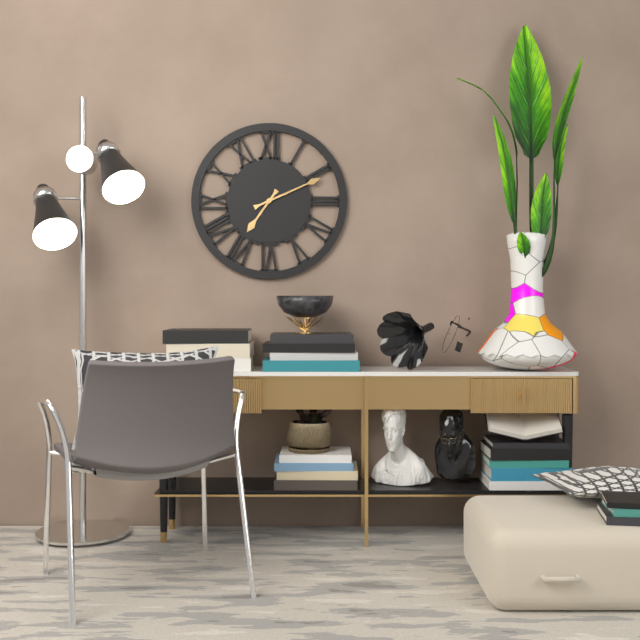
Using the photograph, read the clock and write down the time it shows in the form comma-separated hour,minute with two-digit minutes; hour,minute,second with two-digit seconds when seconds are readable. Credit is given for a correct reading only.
7,11
